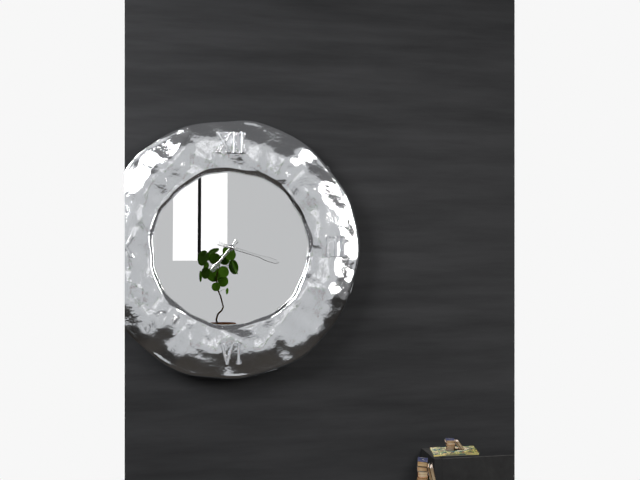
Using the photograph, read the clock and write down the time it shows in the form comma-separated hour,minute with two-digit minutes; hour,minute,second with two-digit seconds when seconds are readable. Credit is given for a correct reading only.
7,18
